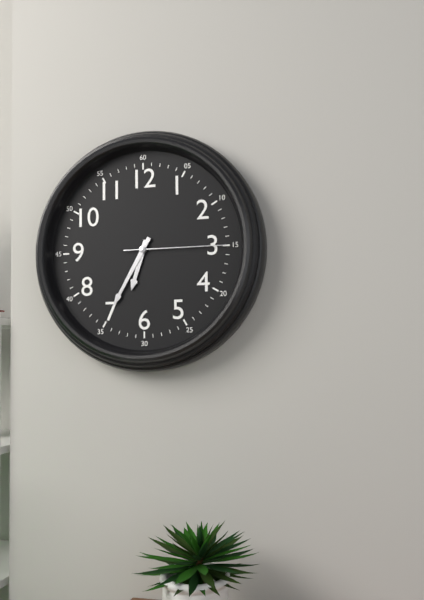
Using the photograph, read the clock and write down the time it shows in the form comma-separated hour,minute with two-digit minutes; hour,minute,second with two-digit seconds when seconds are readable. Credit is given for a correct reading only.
6,35,15
